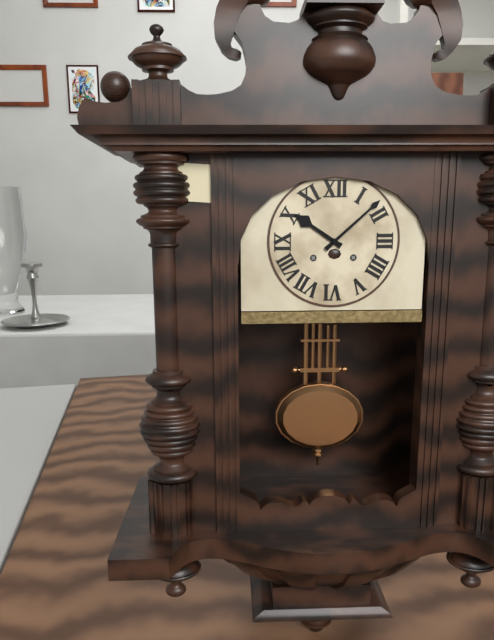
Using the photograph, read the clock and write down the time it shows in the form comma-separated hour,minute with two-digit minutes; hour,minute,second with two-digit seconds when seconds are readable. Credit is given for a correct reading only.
10,08
